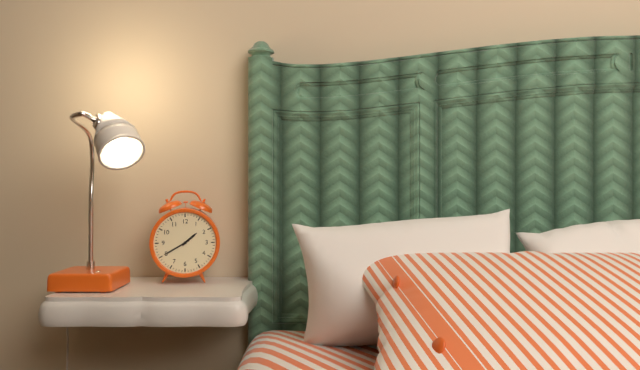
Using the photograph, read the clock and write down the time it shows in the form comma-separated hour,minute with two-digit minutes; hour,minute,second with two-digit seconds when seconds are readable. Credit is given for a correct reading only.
1,40
